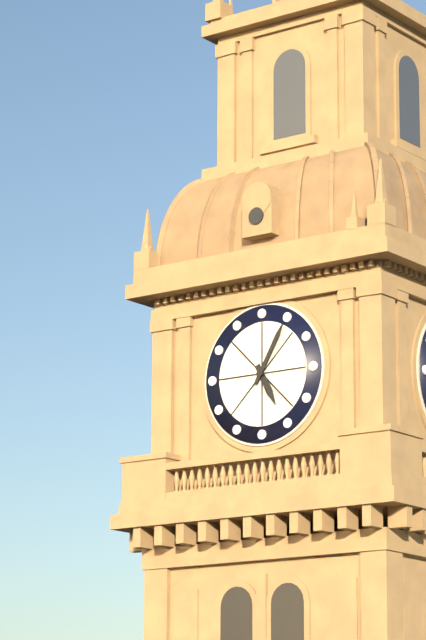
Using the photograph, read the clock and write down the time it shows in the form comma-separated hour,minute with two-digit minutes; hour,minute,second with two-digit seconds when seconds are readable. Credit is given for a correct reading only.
5,05
